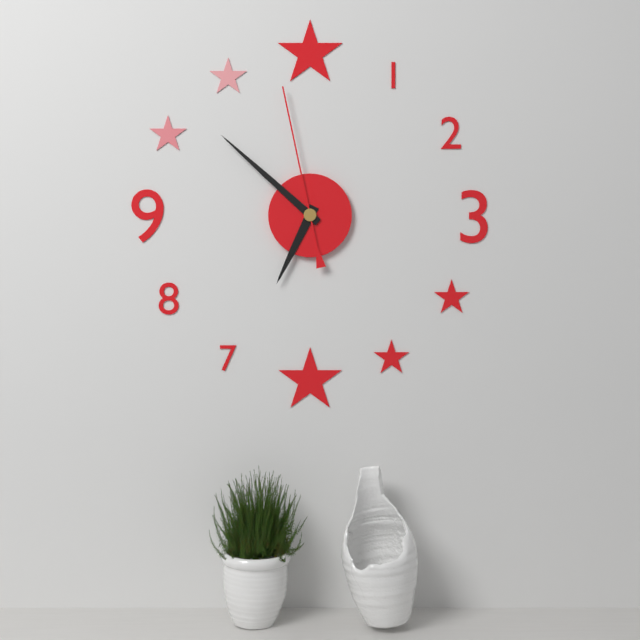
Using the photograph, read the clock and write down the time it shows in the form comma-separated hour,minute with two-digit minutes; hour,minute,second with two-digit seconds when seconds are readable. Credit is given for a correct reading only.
6,52,58
